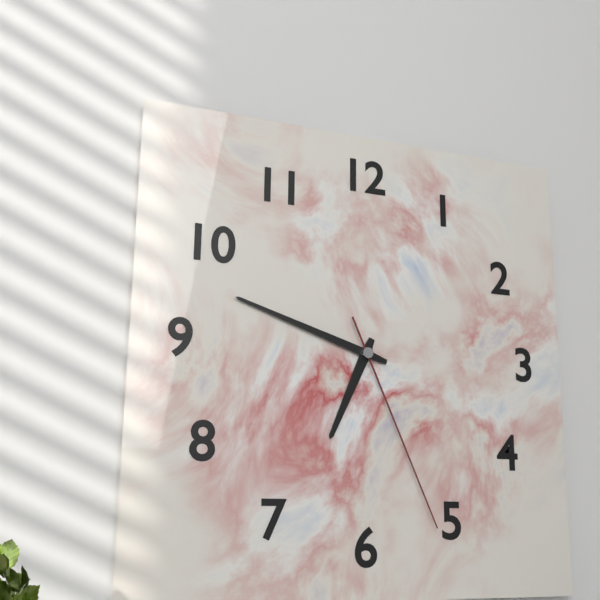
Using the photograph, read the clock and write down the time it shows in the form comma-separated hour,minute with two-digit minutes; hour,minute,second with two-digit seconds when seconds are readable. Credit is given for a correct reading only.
6,48,26
